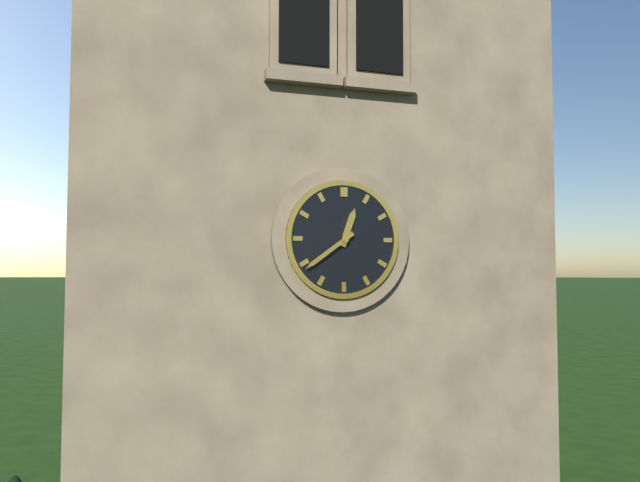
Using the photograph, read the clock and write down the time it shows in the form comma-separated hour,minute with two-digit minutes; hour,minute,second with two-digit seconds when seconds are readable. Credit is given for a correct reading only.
12,39
